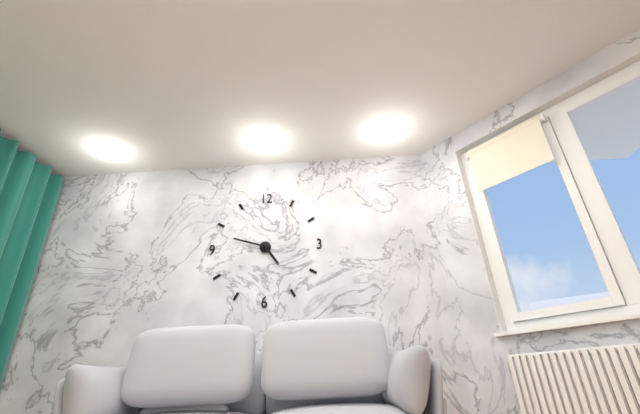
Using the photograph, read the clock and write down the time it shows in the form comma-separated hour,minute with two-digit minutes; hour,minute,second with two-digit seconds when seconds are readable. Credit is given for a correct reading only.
4,48
